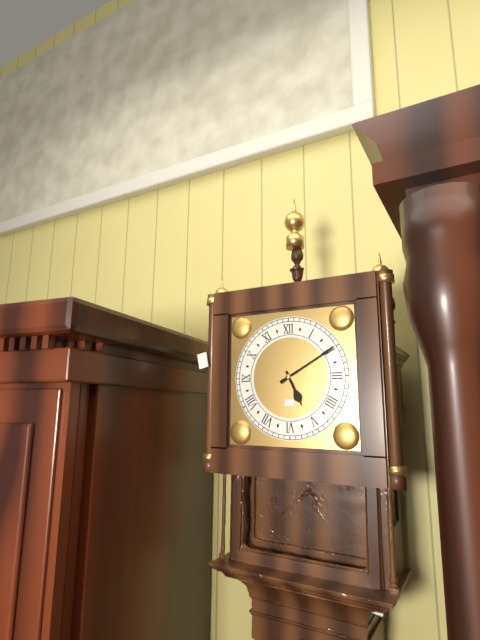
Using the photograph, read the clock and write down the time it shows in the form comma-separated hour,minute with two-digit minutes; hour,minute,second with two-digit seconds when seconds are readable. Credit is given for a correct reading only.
5,10
